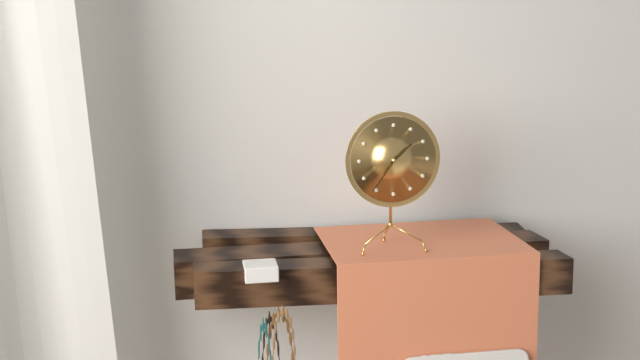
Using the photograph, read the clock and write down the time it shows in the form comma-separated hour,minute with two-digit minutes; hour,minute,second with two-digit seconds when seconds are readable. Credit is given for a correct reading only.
1,36
